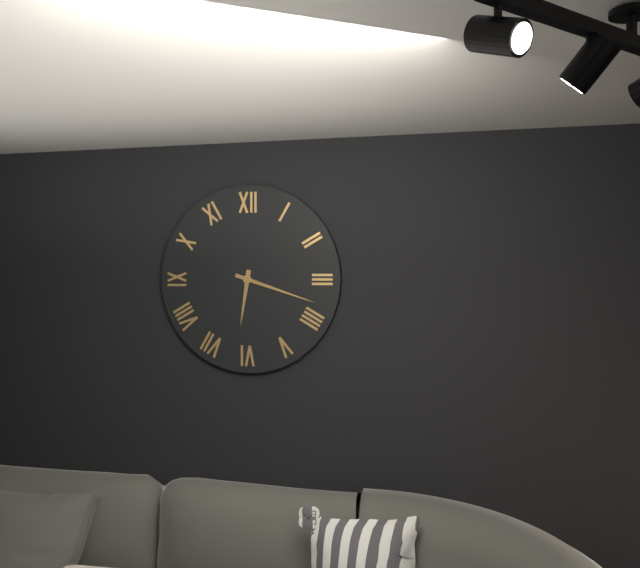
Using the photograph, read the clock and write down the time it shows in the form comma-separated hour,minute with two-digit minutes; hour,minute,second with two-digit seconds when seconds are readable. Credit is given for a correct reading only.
6,18
